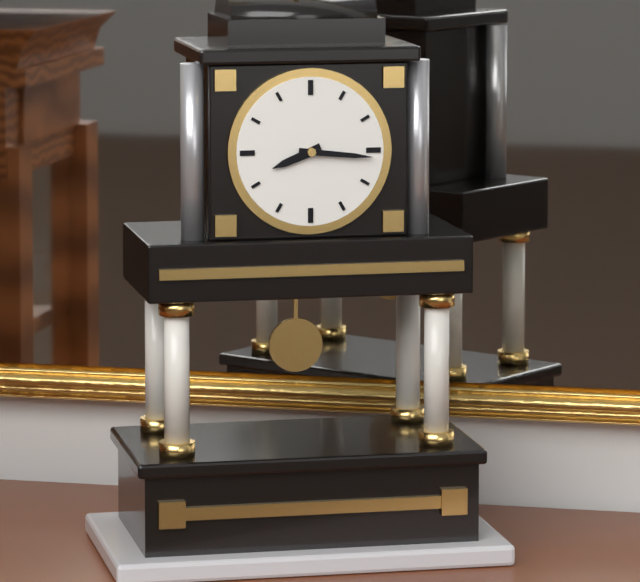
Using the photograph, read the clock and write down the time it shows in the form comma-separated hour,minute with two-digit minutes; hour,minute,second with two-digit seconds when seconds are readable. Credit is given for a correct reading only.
8,16
